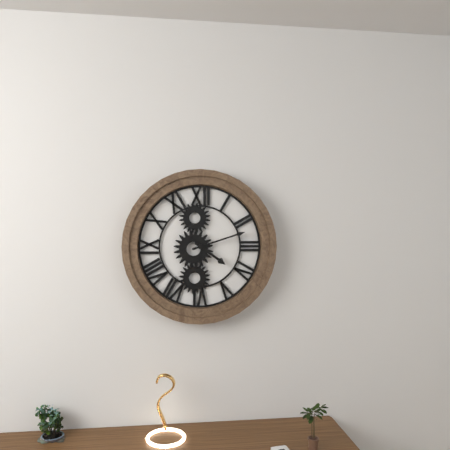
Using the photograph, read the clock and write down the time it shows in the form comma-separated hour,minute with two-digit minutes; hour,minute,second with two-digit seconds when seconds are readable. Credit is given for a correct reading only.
4,12
